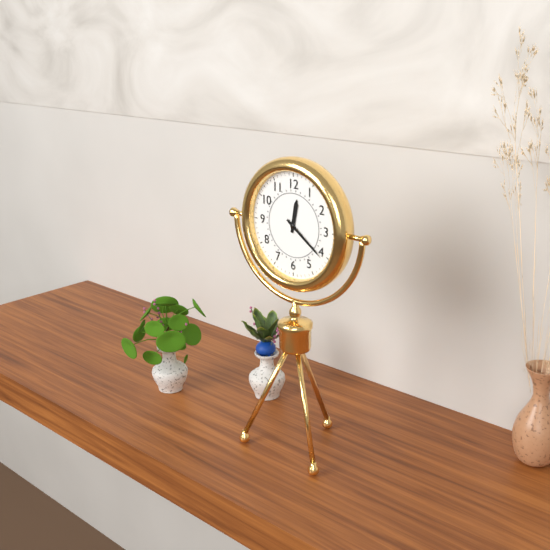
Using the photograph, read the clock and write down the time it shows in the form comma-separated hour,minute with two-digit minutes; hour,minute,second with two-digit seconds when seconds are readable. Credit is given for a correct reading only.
12,21
